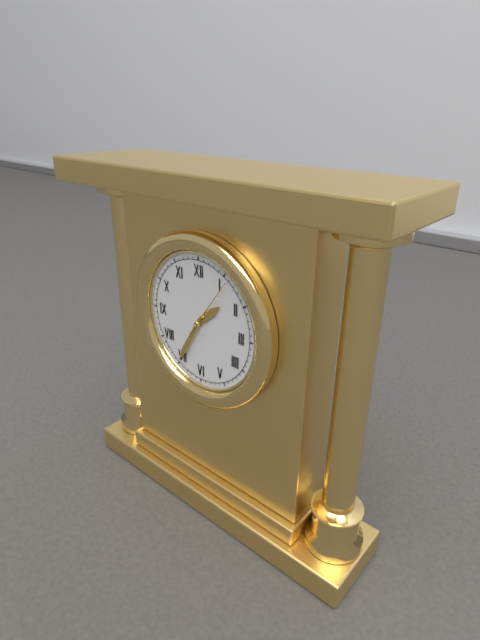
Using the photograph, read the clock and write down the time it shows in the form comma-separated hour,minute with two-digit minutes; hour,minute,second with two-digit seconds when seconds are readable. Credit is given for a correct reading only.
1,35
